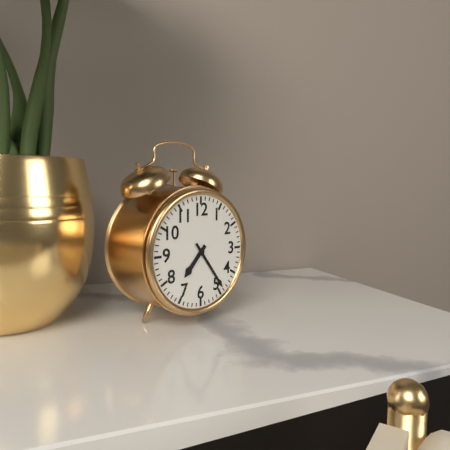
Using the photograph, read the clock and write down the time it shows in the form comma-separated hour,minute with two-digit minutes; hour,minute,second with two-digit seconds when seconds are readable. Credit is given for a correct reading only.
7,24
